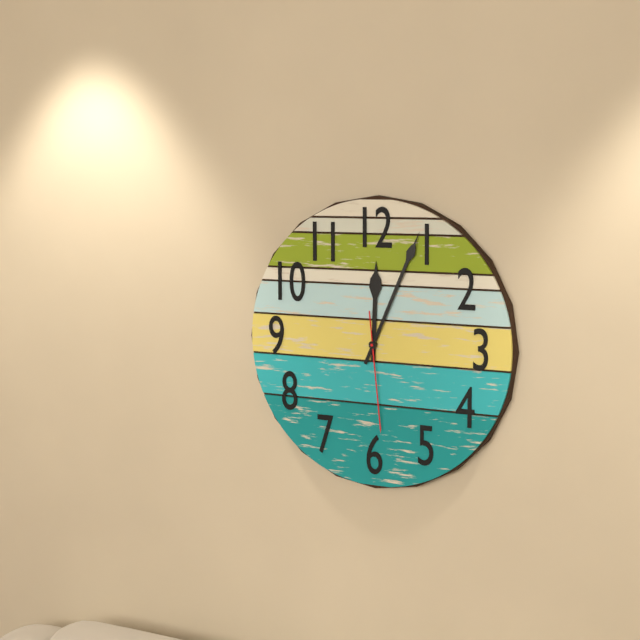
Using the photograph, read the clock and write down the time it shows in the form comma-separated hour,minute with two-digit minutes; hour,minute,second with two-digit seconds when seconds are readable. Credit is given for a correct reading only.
12,04,29
